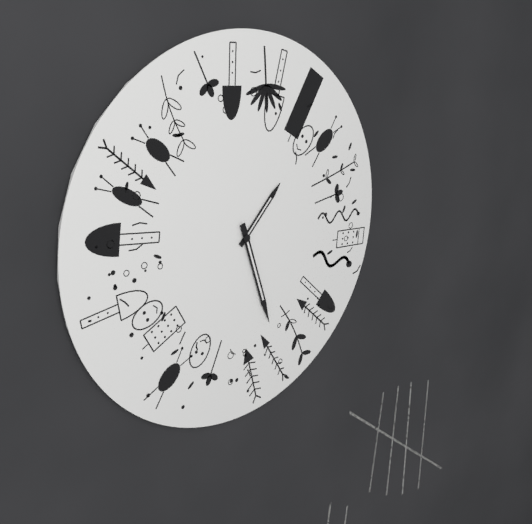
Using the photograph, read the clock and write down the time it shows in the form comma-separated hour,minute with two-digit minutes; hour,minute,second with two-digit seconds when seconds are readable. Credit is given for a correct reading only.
1,27
